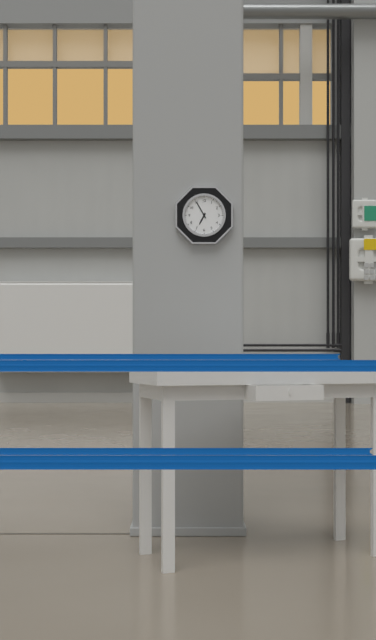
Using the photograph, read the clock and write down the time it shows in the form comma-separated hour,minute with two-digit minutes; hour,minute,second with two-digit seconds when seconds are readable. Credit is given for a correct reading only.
6,55
